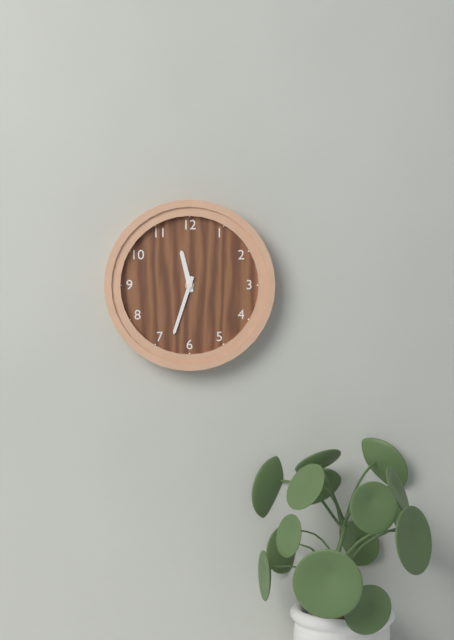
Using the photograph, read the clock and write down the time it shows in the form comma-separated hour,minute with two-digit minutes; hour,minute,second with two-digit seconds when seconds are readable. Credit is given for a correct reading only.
11,33
